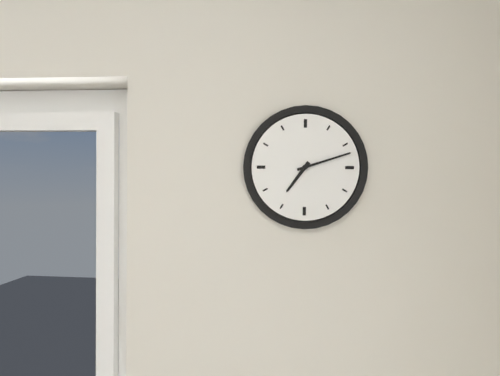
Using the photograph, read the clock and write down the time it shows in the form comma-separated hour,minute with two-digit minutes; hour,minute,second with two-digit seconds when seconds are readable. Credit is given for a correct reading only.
7,12
